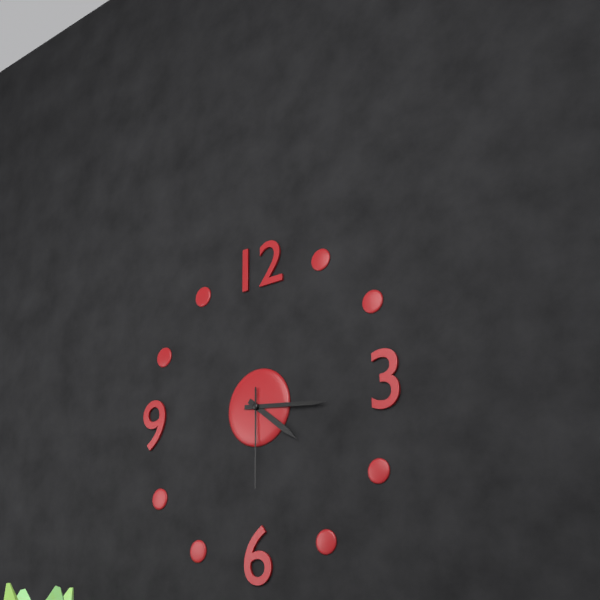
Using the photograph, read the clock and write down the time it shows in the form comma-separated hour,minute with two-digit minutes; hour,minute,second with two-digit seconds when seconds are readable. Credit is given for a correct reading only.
4,16,30
